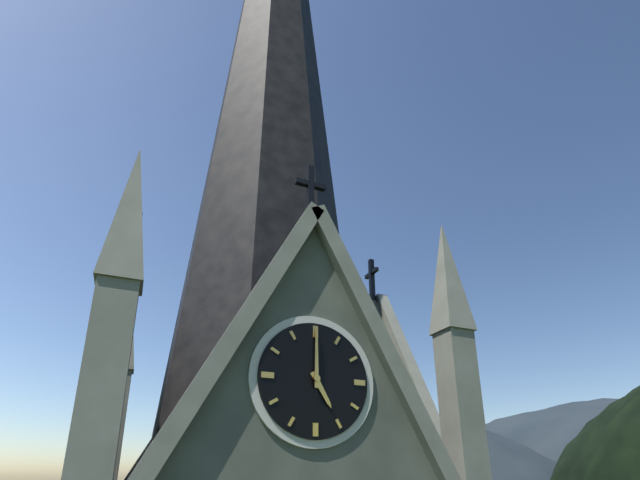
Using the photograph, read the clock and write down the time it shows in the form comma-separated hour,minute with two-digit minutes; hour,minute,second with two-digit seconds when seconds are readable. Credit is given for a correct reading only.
5,00
